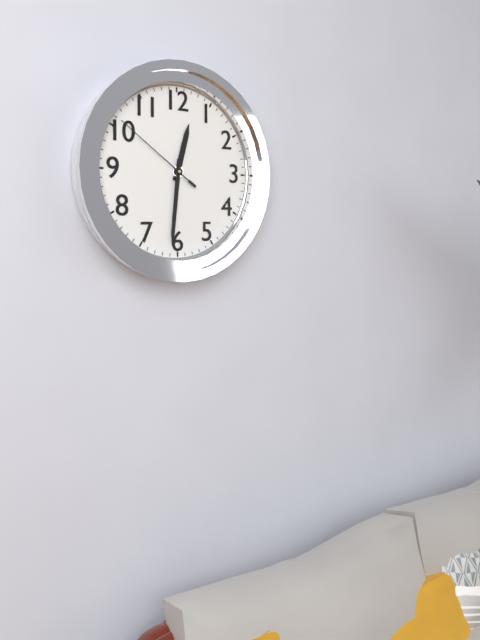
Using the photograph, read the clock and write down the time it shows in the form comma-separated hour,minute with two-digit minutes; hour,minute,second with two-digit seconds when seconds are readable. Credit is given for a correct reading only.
12,31,51
